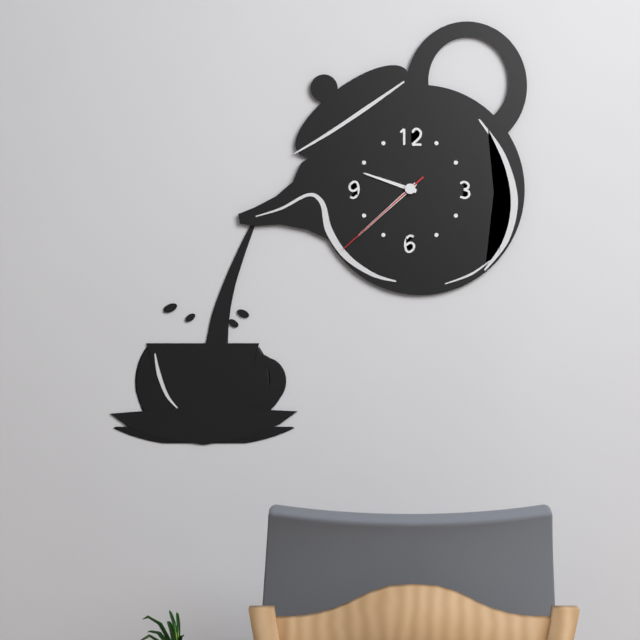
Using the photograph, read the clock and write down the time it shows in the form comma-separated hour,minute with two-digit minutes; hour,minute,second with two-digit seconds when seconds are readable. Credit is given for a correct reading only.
9,38,38
